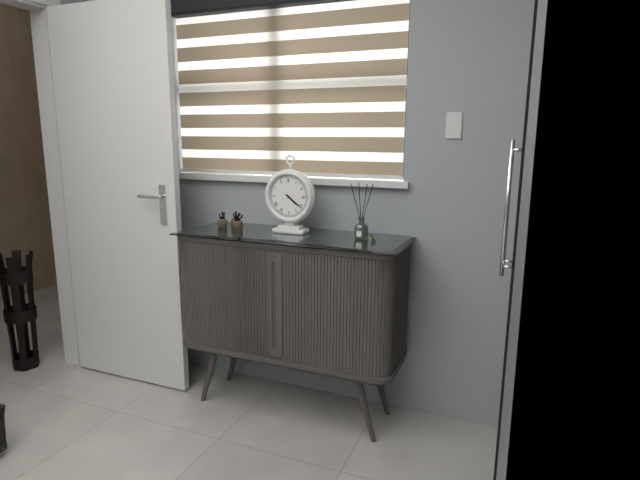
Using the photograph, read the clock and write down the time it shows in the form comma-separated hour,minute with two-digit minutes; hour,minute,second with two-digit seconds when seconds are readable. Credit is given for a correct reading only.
4,21
